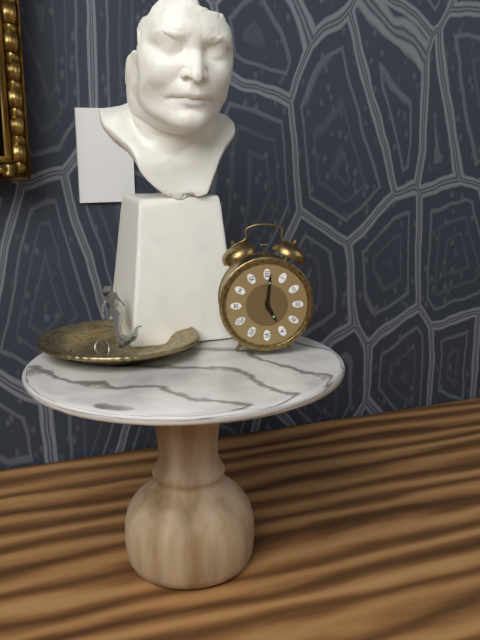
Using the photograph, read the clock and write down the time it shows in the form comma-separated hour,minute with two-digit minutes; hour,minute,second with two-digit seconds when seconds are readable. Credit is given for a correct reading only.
5,01
